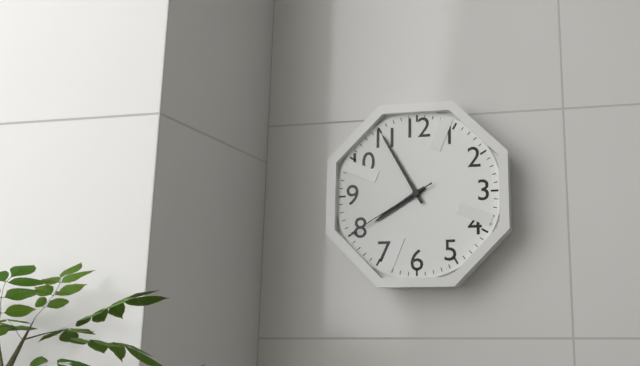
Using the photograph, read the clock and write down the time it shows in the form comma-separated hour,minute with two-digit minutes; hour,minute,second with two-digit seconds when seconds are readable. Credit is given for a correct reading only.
7,55,40
